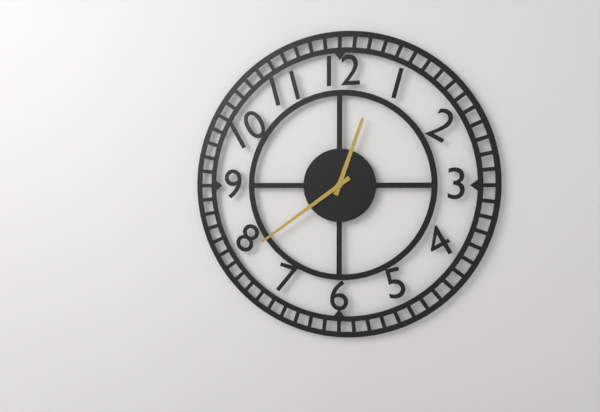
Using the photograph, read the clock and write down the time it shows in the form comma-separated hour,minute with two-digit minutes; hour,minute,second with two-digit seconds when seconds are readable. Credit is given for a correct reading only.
12,39
